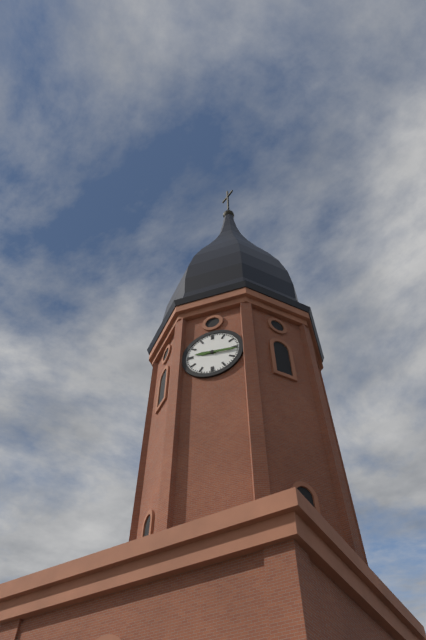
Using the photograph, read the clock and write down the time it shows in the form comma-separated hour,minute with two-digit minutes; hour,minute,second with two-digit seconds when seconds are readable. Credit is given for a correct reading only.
9,16
